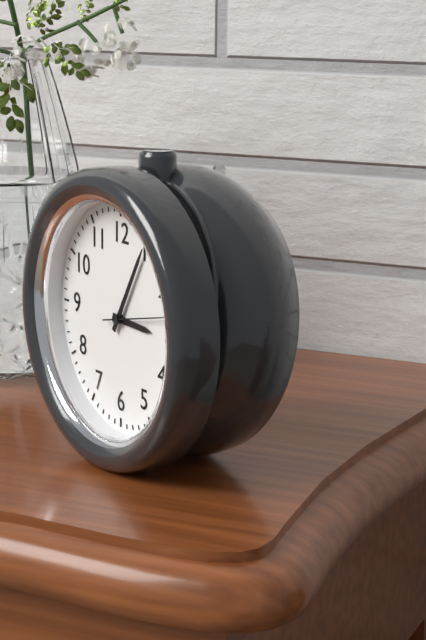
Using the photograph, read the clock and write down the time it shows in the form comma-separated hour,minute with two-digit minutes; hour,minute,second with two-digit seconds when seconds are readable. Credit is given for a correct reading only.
3,05,13
